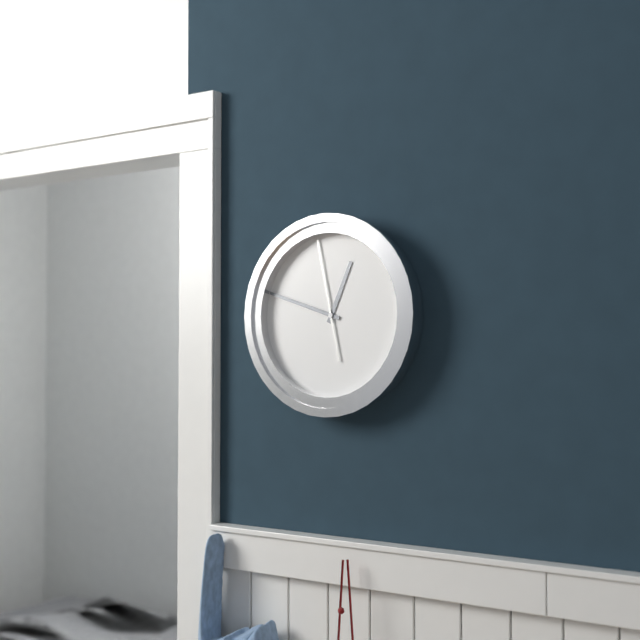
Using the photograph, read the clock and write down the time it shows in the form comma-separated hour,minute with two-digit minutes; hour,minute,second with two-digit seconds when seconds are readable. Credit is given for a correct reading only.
12,48,58
